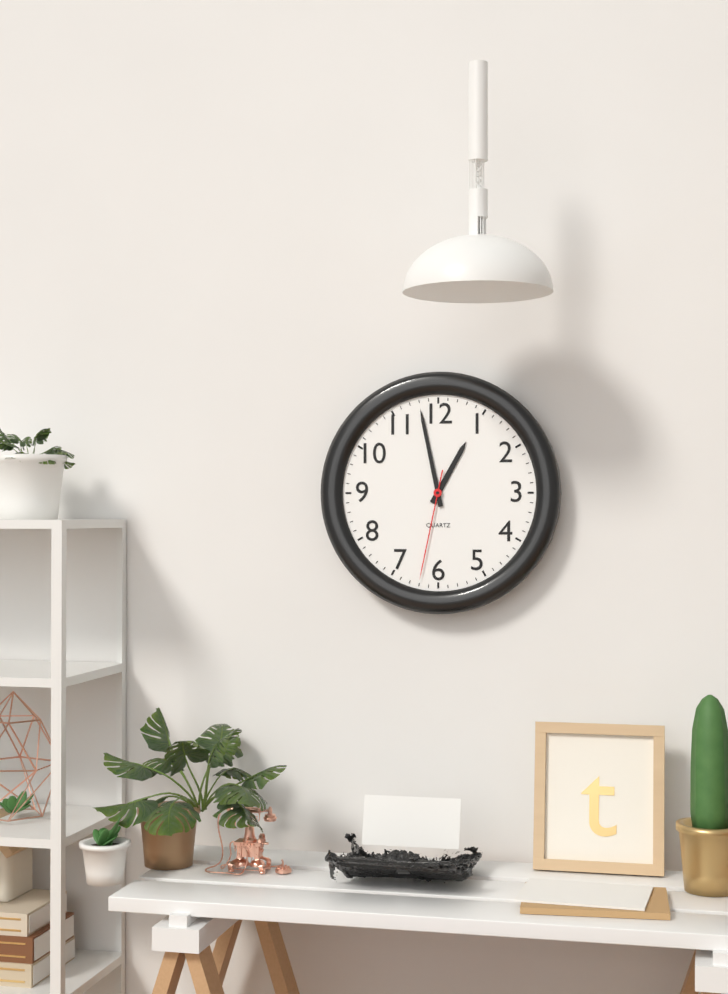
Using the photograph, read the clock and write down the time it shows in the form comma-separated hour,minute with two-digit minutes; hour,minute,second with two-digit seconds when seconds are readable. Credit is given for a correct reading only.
12,58,32
